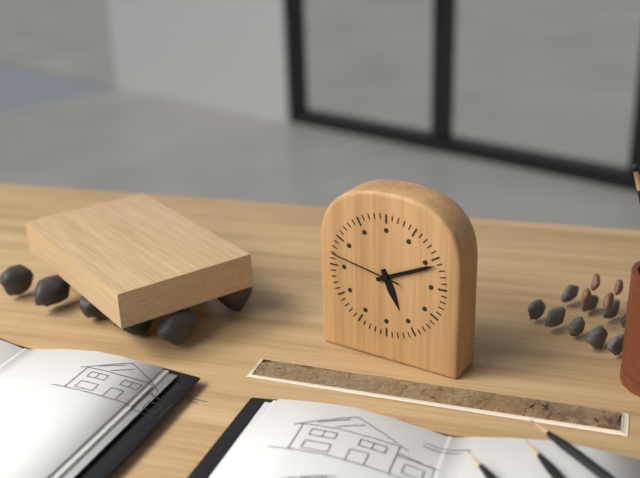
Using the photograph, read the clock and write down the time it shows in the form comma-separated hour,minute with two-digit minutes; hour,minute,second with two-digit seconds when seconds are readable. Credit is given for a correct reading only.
5,11,47
